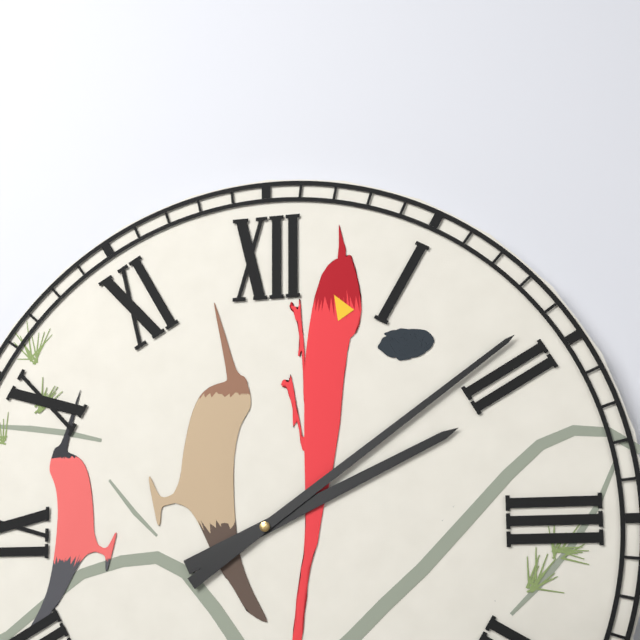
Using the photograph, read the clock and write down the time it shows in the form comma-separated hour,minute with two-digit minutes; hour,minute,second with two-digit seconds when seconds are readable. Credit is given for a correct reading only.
2,09
